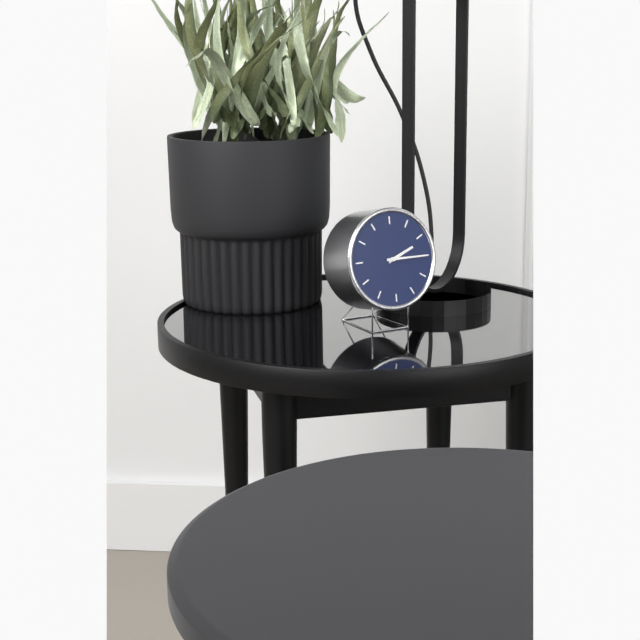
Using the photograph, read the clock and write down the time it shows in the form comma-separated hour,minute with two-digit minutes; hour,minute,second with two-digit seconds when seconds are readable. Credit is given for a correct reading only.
2,15
